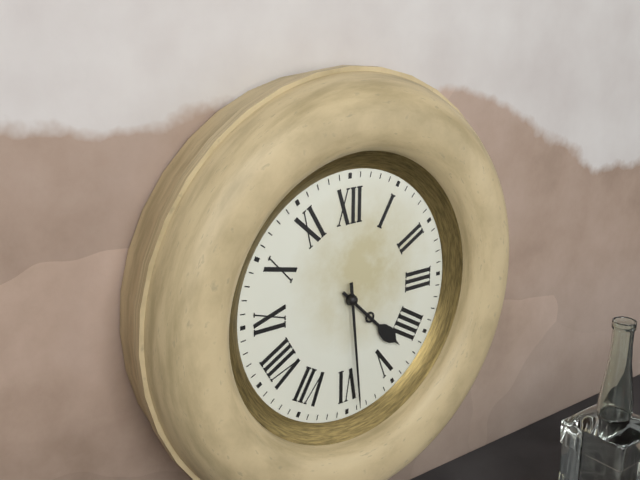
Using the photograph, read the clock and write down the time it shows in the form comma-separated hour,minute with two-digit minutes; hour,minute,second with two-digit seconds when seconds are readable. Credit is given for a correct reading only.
4,29
